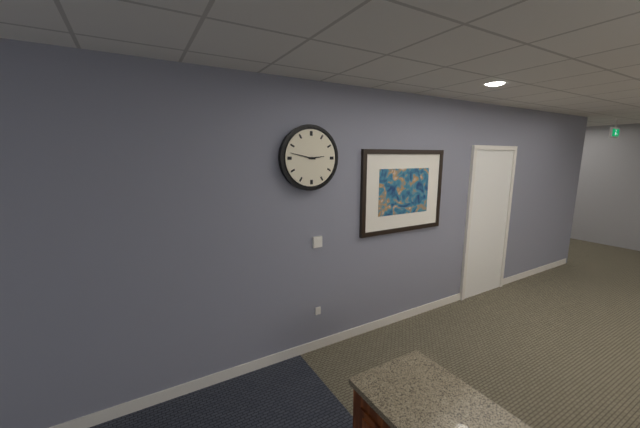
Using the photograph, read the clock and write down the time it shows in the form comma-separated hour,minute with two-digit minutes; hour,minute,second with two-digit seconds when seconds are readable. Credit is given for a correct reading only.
2,47
